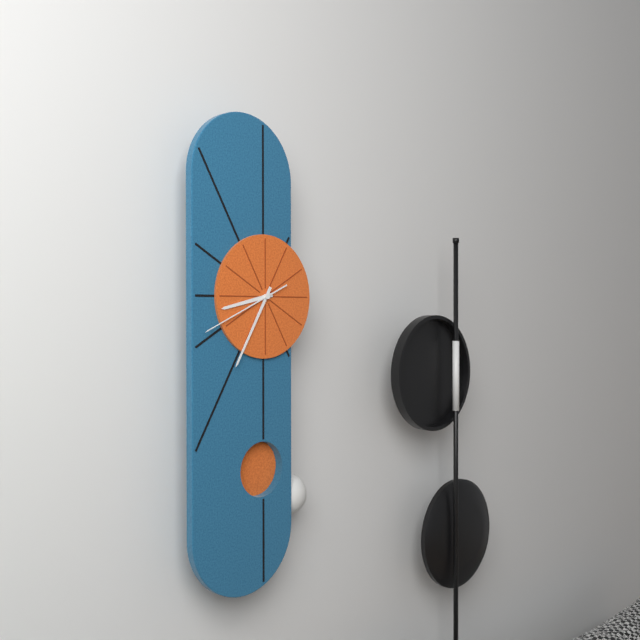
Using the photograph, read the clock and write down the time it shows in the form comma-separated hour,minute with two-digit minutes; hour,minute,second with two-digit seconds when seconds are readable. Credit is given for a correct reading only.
8,35,41
